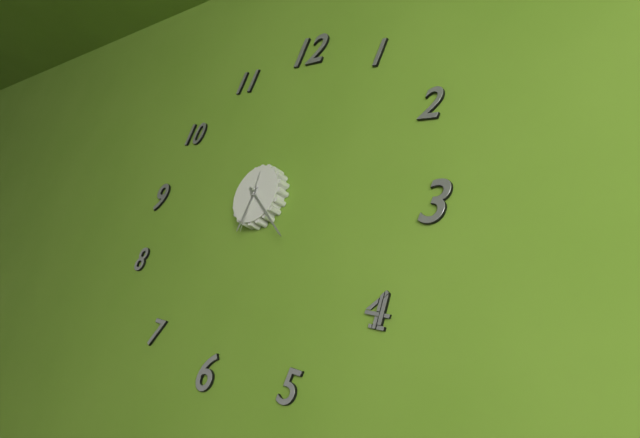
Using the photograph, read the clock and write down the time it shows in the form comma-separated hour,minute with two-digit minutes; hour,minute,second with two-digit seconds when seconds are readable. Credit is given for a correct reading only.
6,21,30
